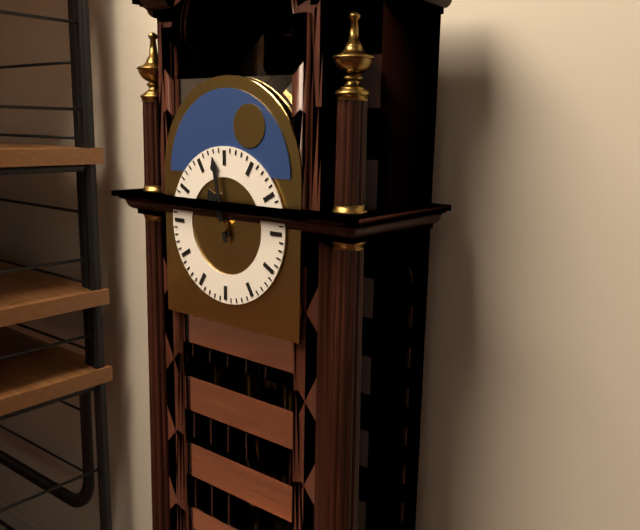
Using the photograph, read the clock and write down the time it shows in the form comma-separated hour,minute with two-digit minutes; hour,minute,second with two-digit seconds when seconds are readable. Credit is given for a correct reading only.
10,58
